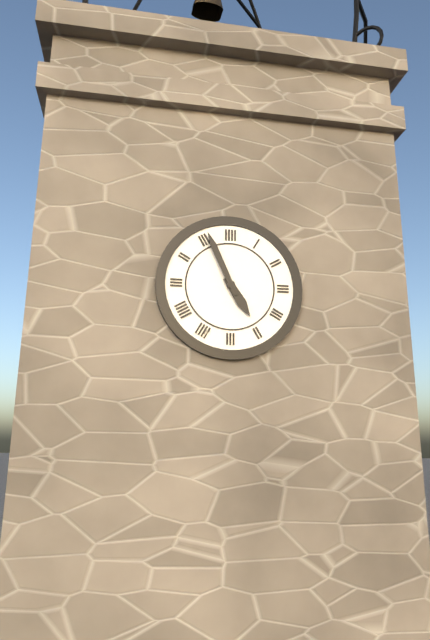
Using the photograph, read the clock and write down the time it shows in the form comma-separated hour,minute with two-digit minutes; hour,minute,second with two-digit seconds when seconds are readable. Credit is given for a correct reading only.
4,56
